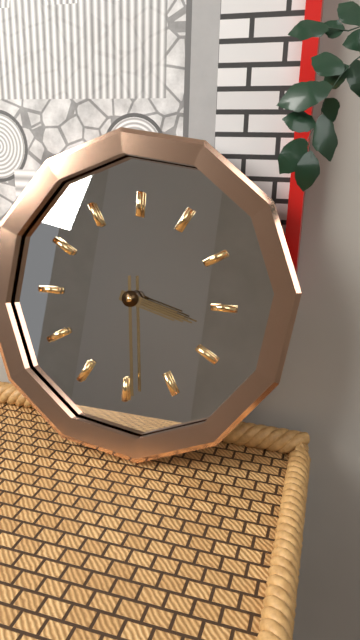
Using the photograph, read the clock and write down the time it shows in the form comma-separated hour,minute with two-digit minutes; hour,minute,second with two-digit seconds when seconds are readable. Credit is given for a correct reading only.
3,29
